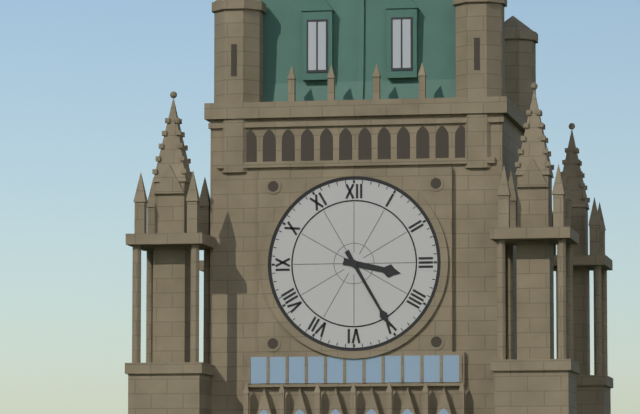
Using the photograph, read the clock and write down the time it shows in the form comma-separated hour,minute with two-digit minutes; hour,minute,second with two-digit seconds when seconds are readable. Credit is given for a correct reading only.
3,25
